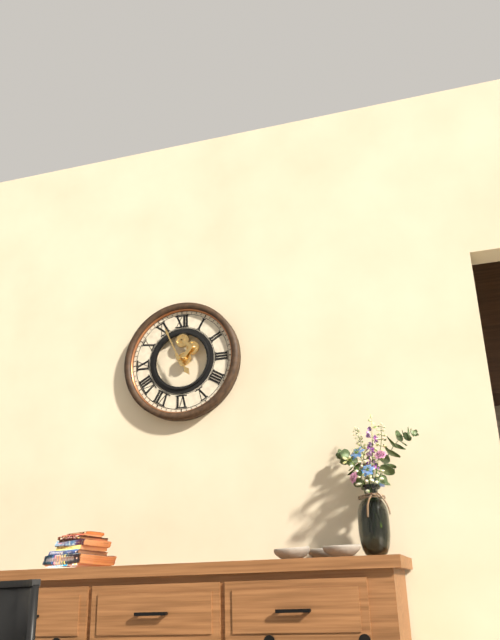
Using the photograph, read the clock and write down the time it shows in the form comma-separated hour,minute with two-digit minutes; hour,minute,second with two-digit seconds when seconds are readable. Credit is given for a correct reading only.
4,56
